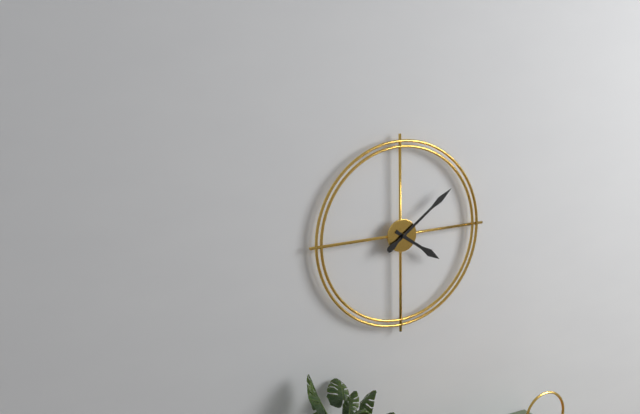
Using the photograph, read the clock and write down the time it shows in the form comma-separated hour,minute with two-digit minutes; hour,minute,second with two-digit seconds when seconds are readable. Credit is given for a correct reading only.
4,09
